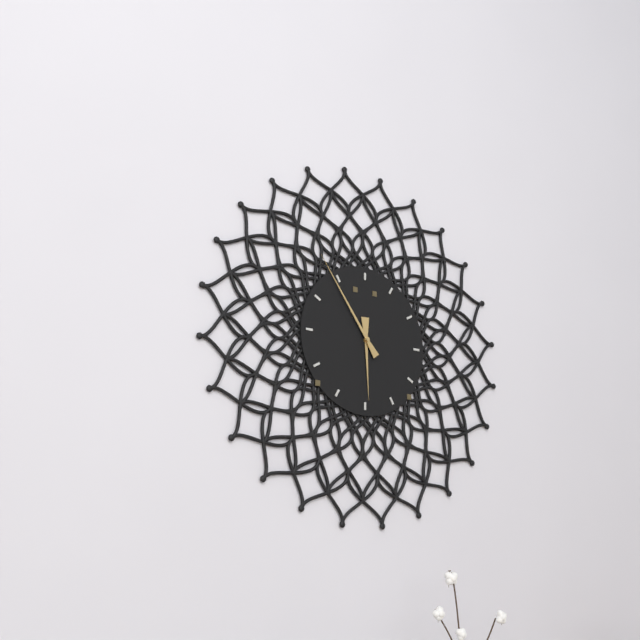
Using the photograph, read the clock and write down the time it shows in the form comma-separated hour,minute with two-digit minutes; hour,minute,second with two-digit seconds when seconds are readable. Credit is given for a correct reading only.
5,54
